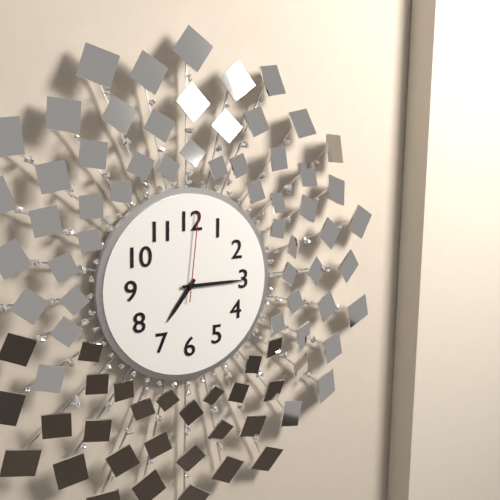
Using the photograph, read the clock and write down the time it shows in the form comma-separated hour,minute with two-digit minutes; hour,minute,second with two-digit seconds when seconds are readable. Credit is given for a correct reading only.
7,15,01
